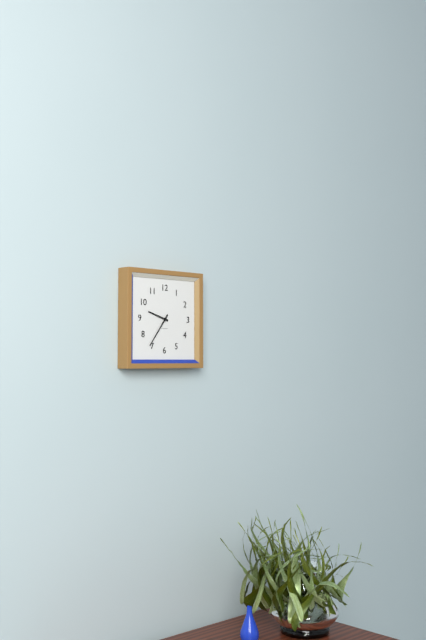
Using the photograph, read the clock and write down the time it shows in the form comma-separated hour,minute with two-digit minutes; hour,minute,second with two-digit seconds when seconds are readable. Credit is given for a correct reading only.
9,36
